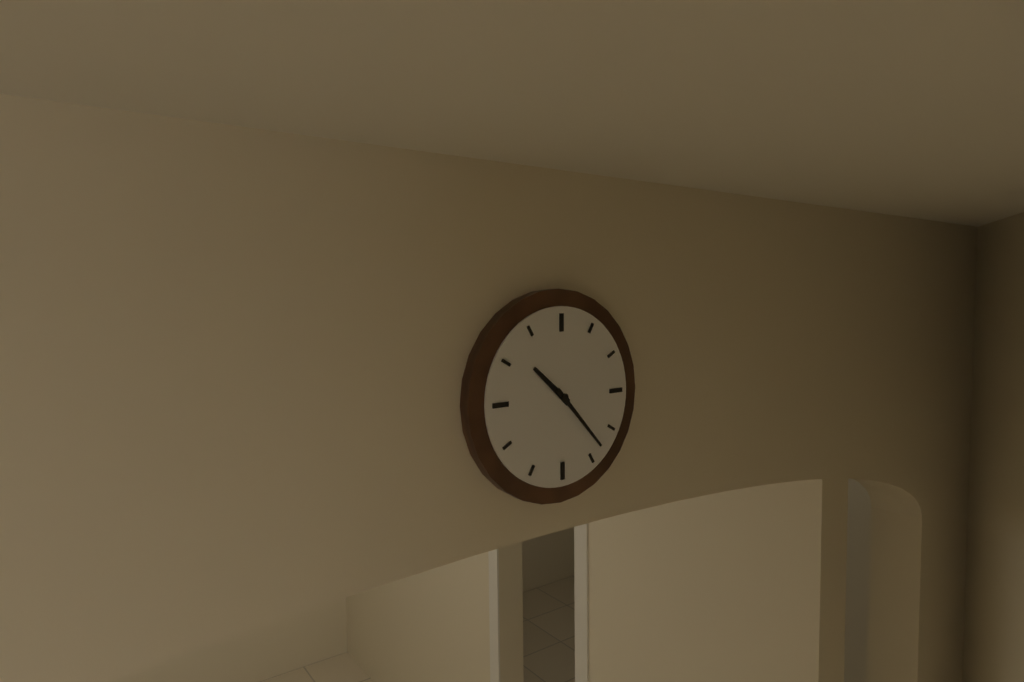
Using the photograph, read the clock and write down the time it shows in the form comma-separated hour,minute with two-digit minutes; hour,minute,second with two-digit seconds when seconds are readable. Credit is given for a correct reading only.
10,23
